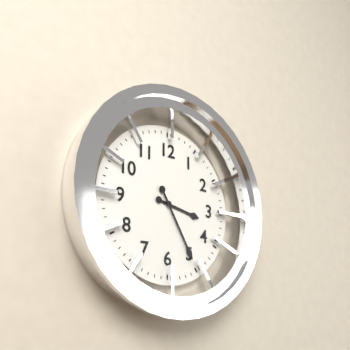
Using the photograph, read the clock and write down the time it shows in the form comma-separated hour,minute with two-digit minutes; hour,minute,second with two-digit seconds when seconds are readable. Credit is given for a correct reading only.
3,25
